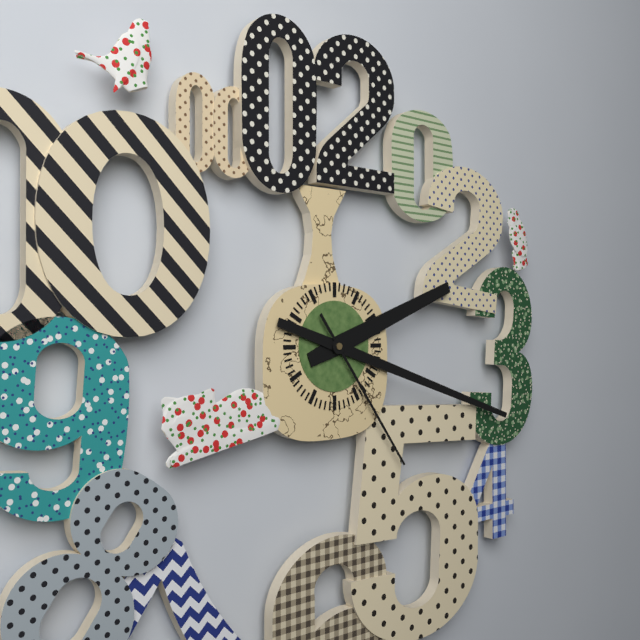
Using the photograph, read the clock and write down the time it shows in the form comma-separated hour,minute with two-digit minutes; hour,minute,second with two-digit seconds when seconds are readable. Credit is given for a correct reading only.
2,18,24
